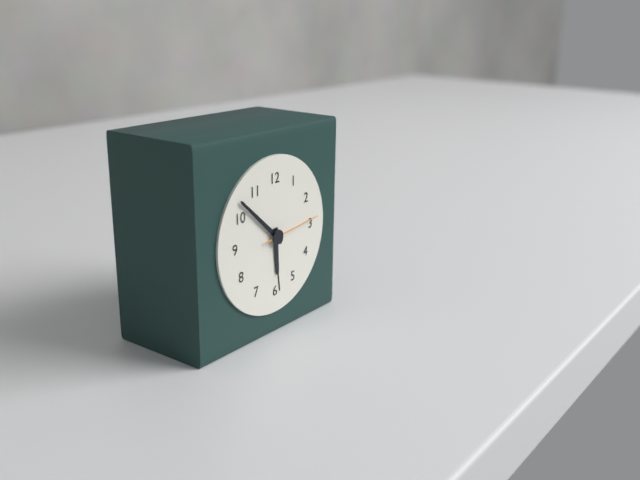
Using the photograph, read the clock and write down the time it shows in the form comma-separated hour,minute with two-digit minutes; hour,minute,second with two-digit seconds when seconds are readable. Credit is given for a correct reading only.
5,52,14
